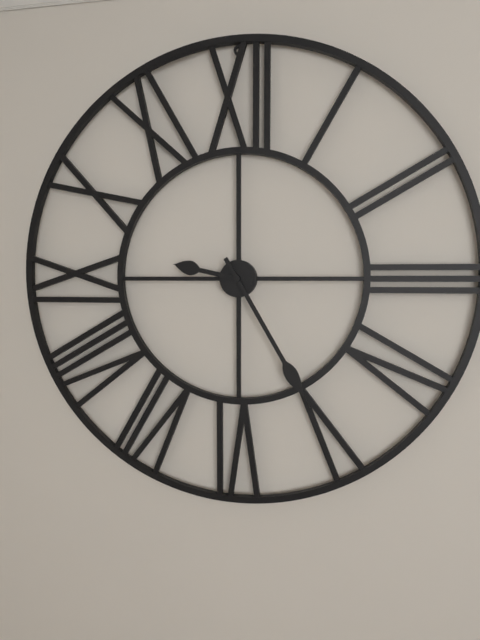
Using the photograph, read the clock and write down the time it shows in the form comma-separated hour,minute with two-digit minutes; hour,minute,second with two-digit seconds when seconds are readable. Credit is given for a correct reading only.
9,25
